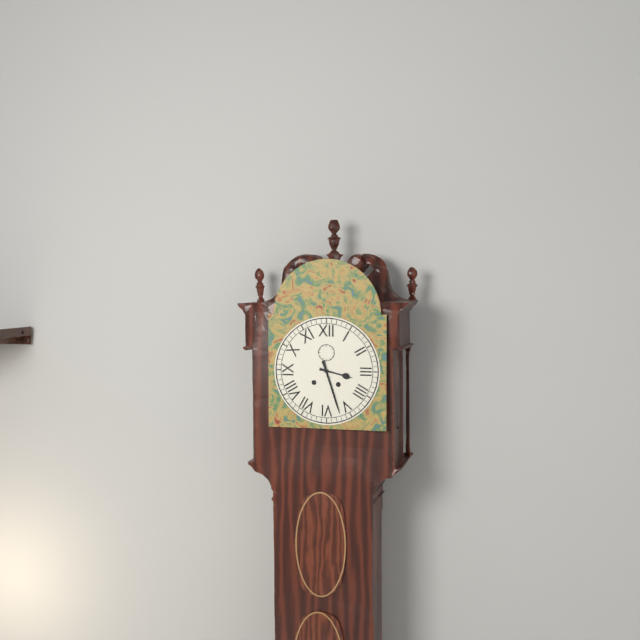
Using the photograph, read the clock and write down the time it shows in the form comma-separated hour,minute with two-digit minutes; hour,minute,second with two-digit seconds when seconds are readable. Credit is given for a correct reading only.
3,27
